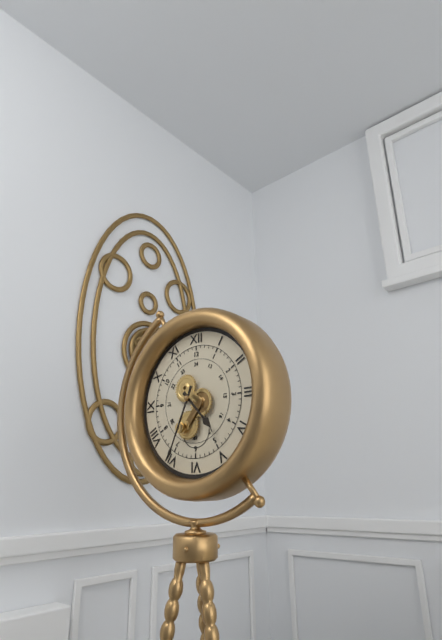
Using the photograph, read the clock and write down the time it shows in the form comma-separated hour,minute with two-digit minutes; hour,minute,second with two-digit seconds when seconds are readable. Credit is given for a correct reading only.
4,34
